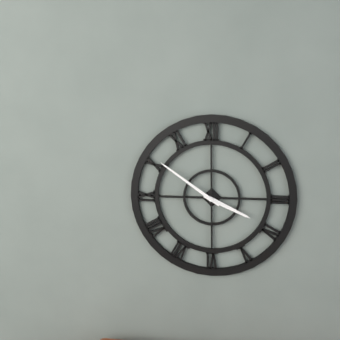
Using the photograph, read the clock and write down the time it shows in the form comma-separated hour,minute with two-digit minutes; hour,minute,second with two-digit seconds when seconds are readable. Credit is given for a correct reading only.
3,51
